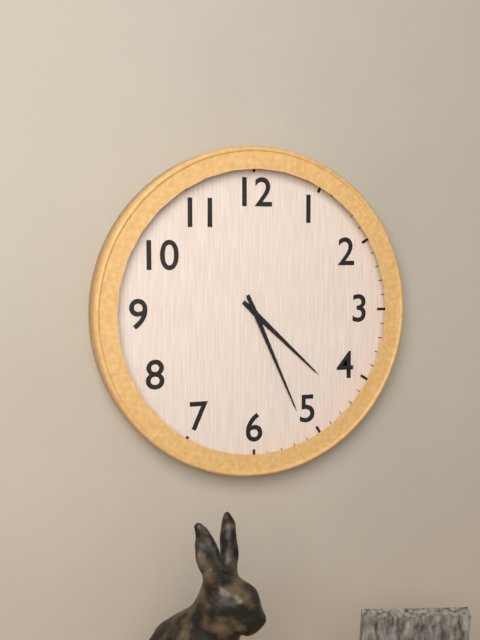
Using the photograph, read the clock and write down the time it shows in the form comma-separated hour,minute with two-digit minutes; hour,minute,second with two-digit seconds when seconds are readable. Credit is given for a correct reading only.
4,26
